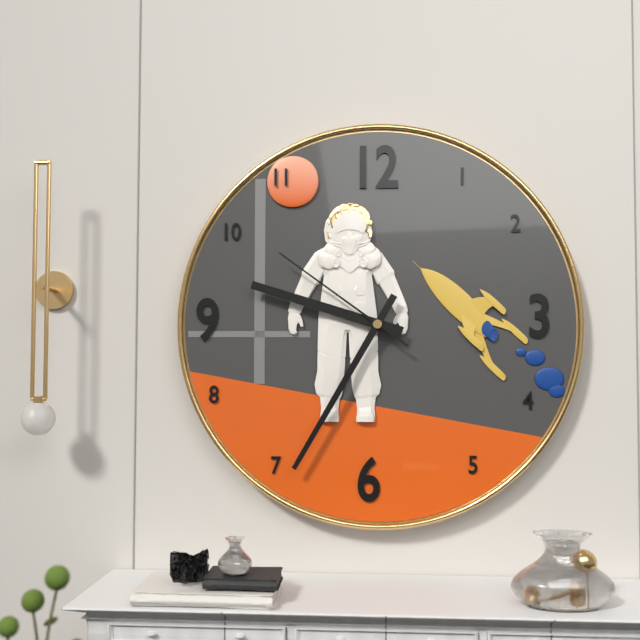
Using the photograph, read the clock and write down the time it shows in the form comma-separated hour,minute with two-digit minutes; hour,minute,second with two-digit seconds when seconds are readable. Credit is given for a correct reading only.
9,35,51
